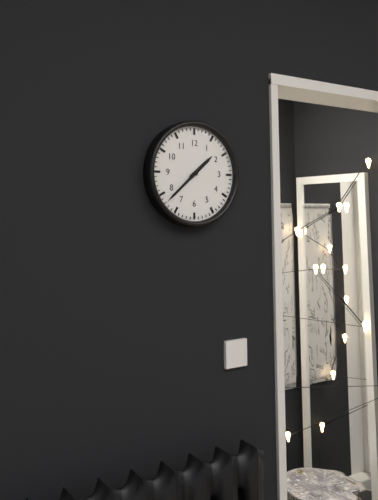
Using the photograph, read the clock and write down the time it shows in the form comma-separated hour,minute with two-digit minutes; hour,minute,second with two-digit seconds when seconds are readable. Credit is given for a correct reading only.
1,38
